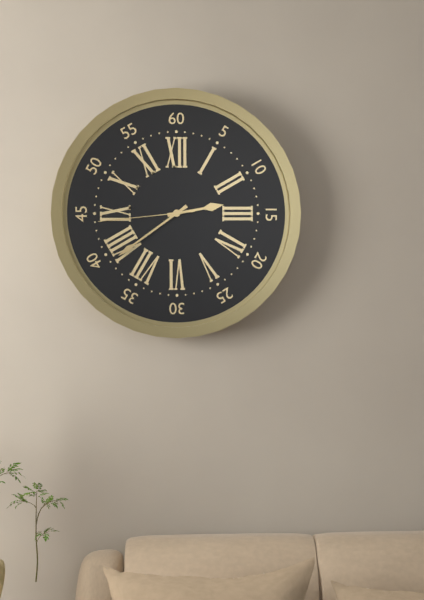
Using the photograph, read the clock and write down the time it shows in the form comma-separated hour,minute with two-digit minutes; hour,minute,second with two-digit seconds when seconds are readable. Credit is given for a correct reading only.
2,39,44
